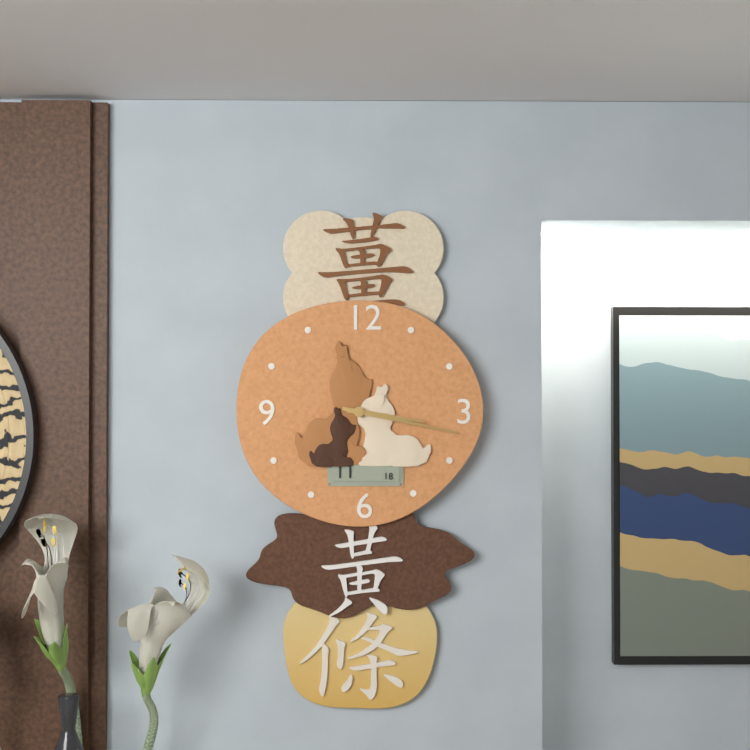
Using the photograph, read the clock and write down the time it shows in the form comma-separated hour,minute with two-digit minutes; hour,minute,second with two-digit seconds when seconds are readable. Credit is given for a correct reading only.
3,17
